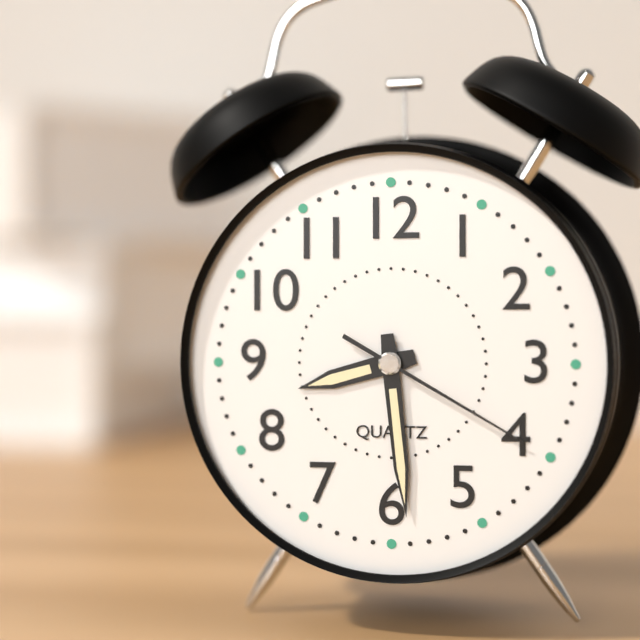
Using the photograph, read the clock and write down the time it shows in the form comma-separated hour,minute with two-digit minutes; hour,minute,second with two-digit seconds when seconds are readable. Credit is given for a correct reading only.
8,29,20
